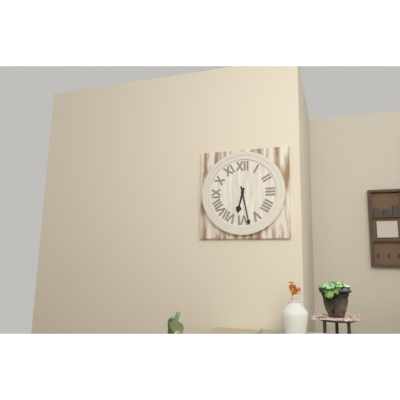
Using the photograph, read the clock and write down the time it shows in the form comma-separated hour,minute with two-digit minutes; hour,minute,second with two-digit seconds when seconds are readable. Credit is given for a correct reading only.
6,28
